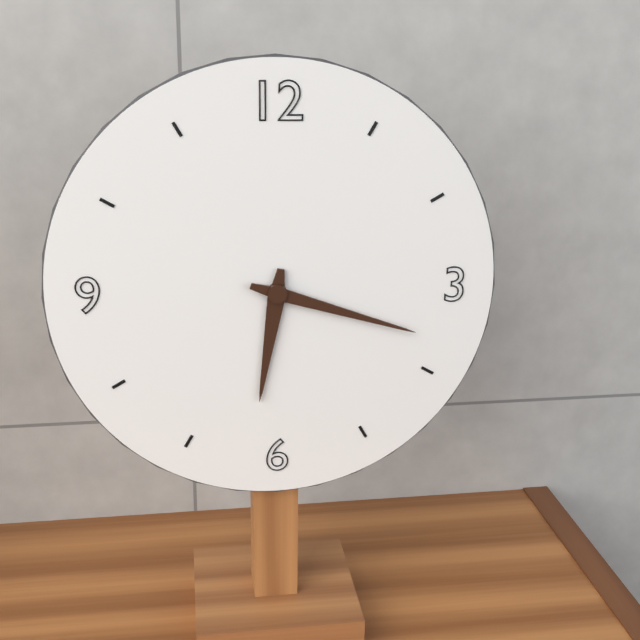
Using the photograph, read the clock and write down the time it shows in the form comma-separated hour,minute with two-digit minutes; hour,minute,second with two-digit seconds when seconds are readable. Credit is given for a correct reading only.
6,18
